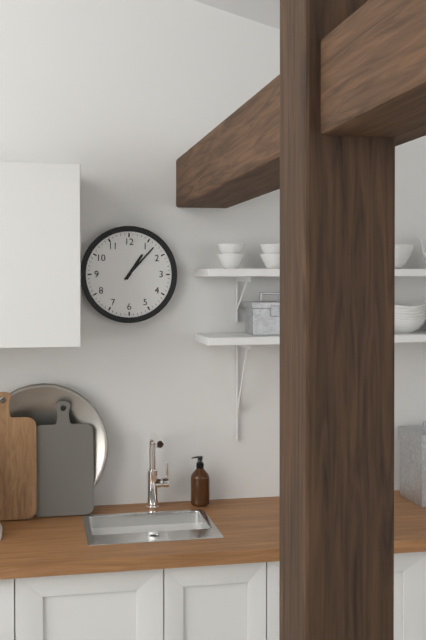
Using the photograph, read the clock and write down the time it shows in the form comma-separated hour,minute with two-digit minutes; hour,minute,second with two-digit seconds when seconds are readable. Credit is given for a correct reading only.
1,07
